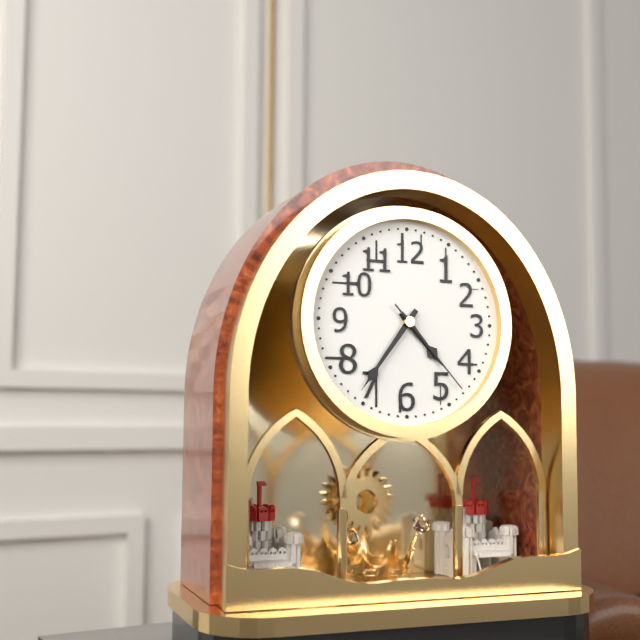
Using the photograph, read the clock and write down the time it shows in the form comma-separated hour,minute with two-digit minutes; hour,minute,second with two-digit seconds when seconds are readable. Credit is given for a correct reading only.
4,36,23
